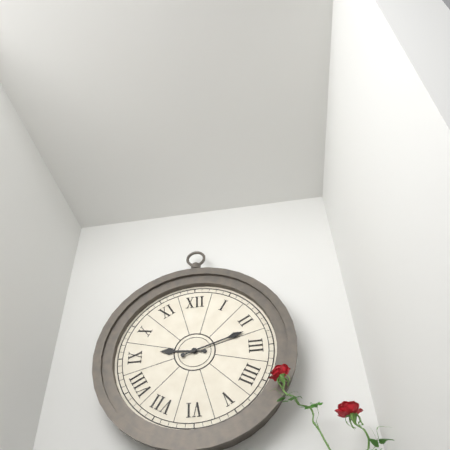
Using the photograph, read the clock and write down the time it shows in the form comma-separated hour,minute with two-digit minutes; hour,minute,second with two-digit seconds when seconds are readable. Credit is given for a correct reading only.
9,12
